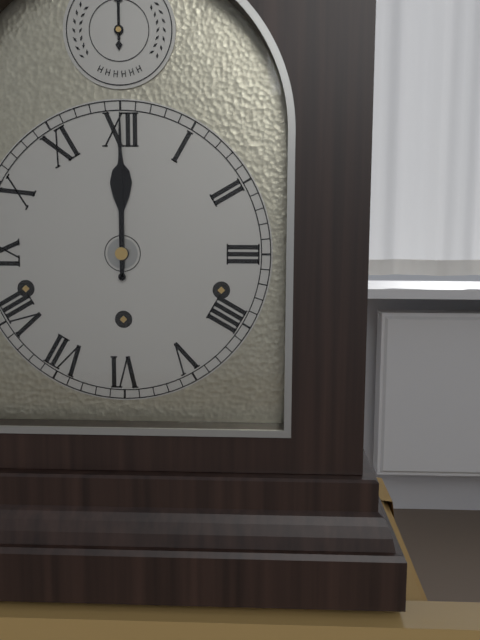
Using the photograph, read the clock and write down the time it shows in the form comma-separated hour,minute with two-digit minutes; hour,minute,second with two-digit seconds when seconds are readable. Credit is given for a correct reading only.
12,00
